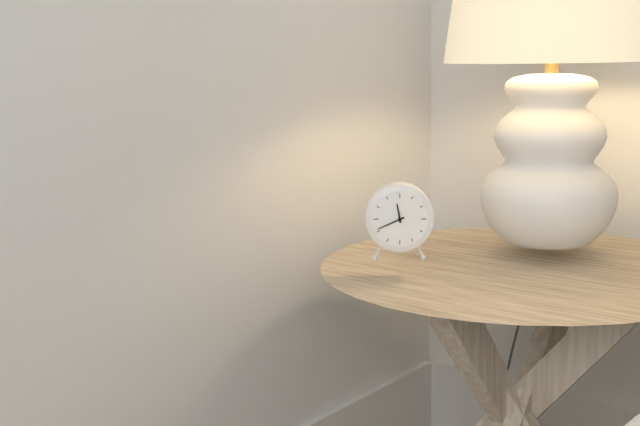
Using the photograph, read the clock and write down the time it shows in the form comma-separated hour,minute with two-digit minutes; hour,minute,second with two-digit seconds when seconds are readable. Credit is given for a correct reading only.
11,41
